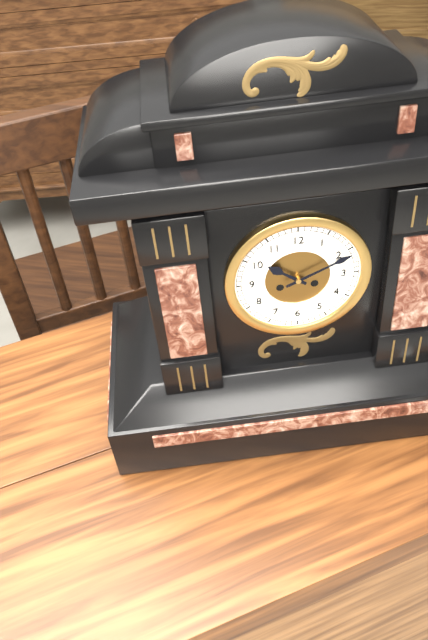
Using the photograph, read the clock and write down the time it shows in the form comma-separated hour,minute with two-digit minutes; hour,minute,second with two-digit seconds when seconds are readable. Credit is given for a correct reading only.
10,11
